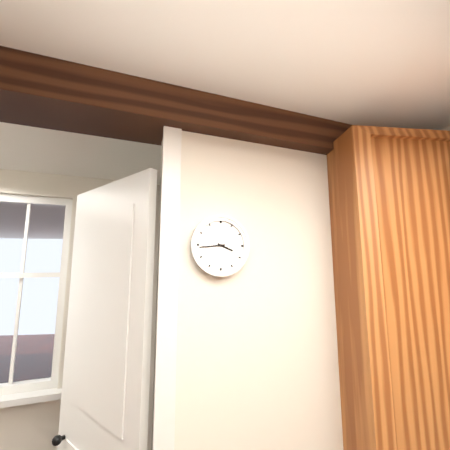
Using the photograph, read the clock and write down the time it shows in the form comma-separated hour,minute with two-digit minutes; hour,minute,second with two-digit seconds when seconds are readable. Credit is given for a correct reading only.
3,44
